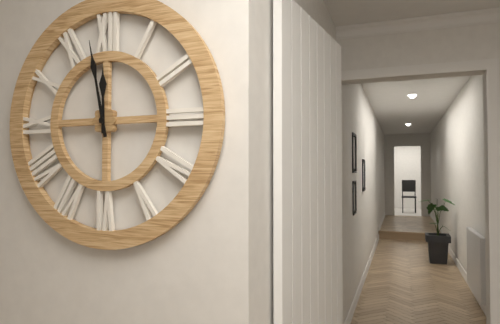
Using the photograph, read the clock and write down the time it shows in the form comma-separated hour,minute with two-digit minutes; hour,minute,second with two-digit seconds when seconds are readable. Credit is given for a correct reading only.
11,58
